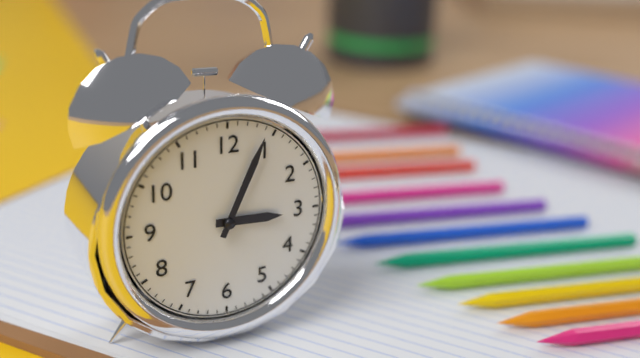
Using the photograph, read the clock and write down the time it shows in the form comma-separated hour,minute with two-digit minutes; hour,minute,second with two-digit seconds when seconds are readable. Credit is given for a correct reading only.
3,04
